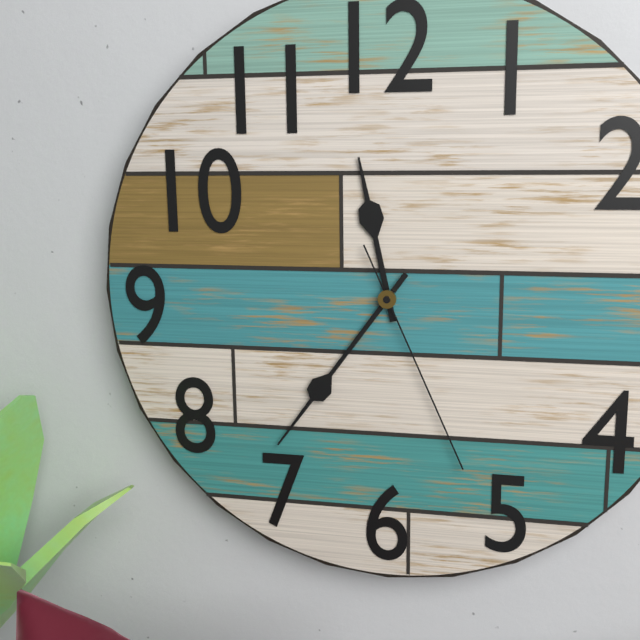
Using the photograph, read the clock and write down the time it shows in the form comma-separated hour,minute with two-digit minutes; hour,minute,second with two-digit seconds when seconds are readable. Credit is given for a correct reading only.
11,36,26
